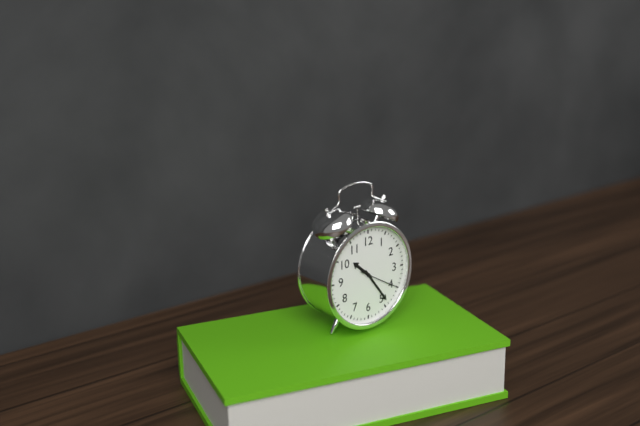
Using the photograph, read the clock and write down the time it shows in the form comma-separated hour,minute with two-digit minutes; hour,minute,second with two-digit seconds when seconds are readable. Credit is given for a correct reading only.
10,24
